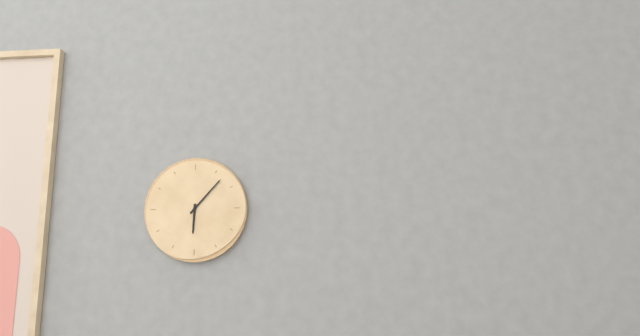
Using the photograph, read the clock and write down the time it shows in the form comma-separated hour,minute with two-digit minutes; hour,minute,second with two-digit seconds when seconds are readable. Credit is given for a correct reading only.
6,07
